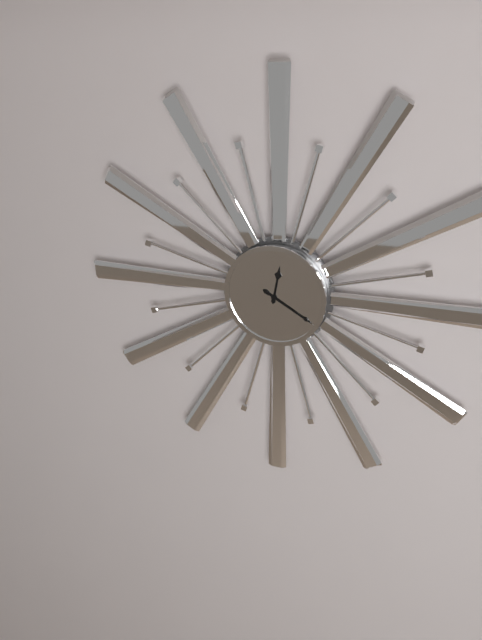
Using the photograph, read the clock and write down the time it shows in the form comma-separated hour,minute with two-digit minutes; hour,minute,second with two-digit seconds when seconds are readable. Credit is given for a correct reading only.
12,20
